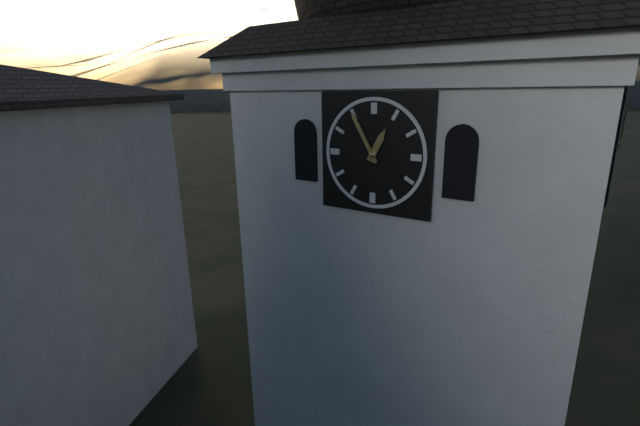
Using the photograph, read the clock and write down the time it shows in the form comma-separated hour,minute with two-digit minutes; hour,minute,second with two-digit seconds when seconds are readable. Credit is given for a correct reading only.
12,55
